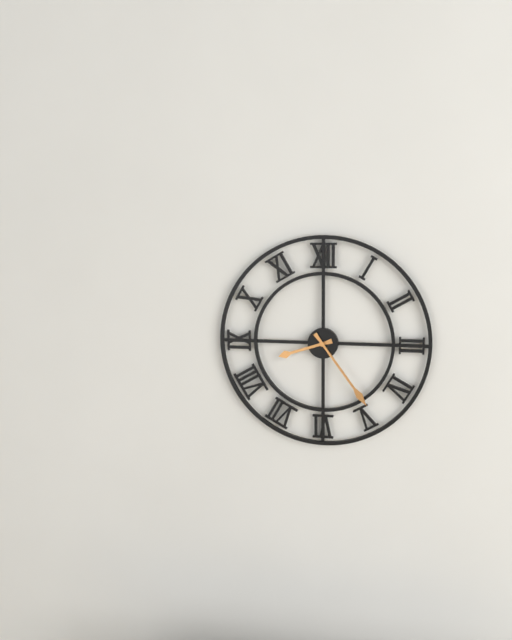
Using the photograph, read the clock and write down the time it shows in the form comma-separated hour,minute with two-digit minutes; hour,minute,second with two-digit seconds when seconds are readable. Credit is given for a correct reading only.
8,24
